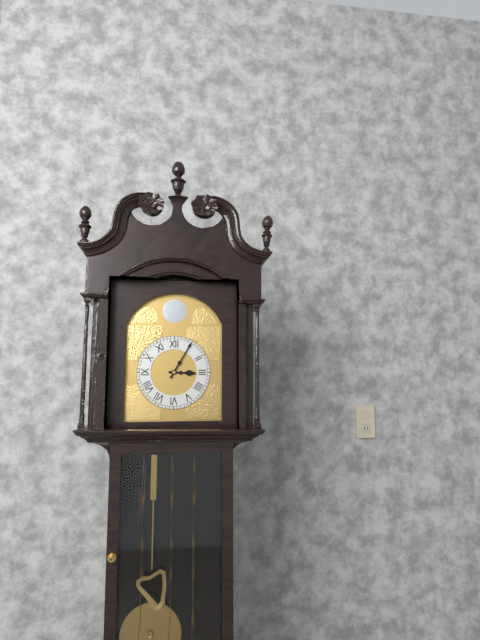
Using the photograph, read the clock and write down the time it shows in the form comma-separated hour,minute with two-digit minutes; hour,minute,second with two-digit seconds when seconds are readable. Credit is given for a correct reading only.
3,05
